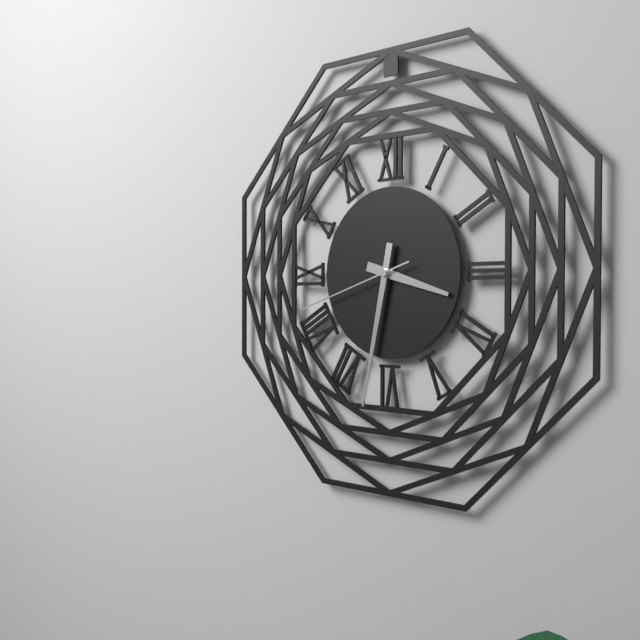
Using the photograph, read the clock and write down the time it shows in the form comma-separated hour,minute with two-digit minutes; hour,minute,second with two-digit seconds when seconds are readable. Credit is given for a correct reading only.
3,32,42
